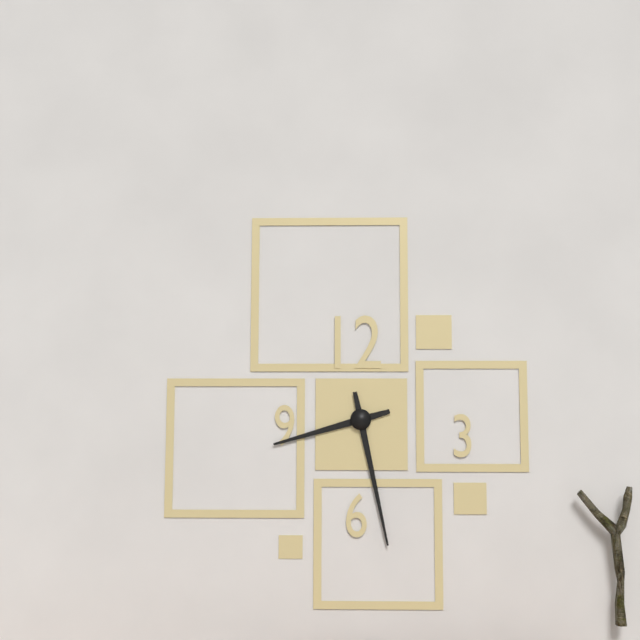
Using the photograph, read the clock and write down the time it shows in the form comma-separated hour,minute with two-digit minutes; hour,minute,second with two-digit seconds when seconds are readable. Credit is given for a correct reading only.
8,28
